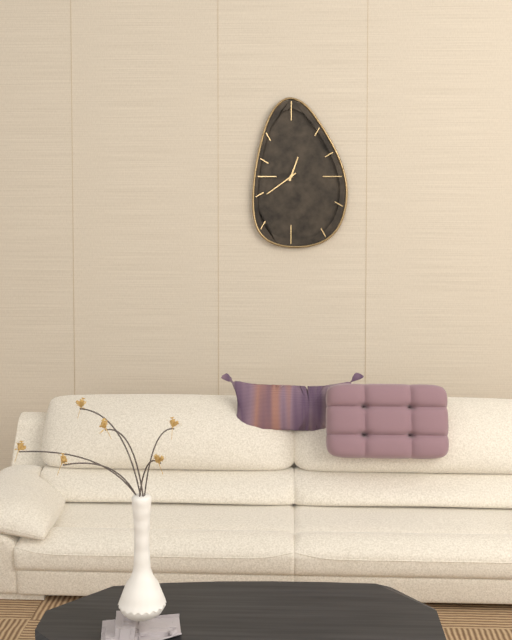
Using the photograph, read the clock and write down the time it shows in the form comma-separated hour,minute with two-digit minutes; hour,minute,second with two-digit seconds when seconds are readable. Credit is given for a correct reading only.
12,39
